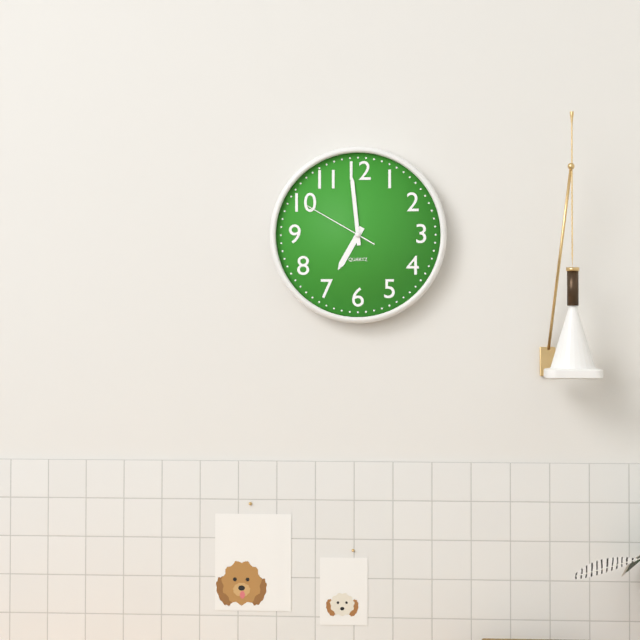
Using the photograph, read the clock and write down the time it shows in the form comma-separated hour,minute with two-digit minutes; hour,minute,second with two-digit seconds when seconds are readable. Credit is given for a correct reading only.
6,59,50
